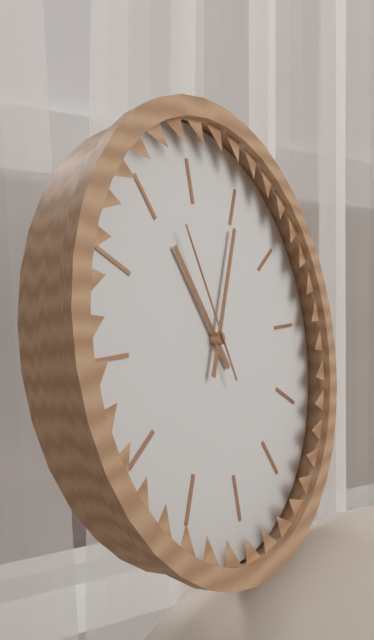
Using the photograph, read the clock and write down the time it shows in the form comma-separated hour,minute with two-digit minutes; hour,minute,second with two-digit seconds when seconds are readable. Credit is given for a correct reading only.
11,05,57
